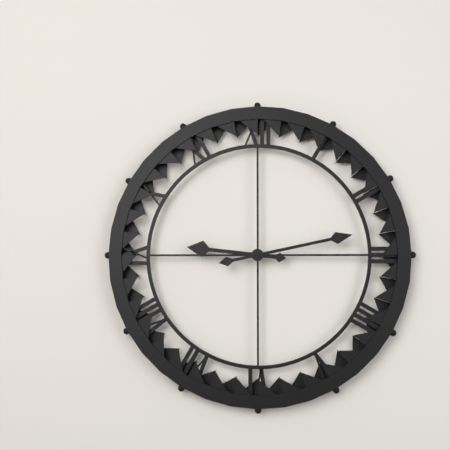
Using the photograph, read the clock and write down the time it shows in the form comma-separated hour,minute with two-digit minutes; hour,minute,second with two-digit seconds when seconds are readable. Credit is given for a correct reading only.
9,13
